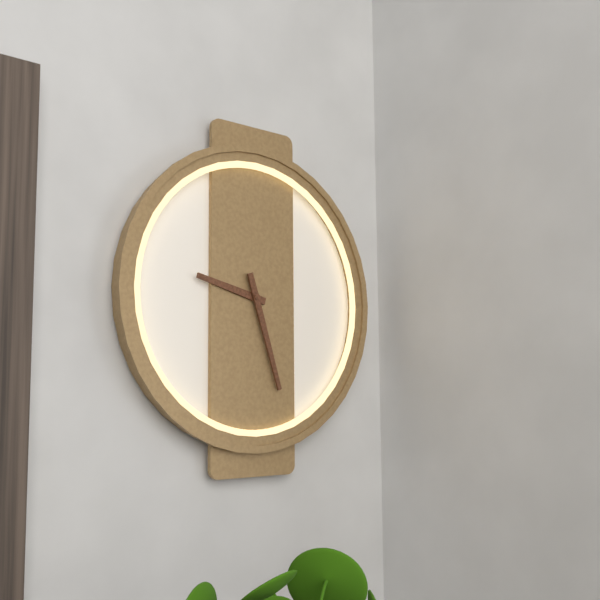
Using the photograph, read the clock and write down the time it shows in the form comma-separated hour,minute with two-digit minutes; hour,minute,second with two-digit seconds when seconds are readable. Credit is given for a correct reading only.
9,27
